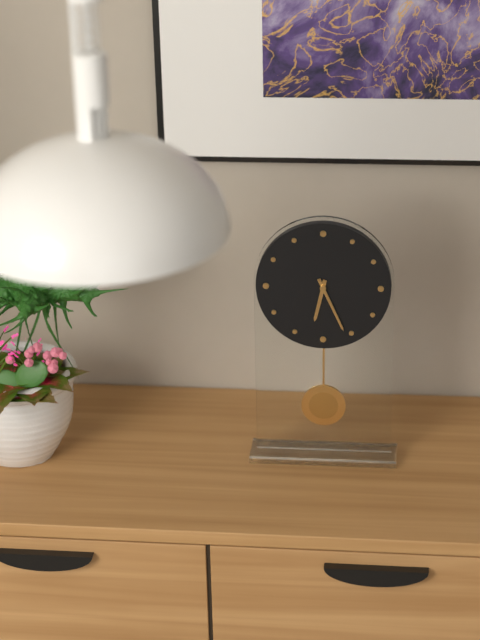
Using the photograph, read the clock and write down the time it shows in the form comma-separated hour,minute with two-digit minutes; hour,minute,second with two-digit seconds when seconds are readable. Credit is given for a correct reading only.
6,26
